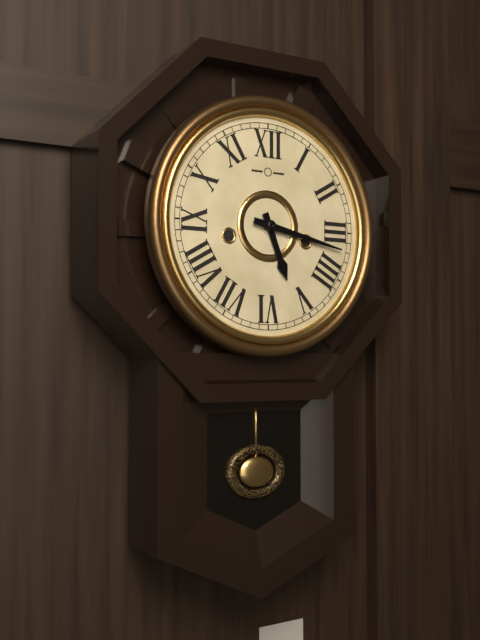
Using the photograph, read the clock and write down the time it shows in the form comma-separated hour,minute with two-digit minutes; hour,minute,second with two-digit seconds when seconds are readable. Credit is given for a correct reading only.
5,17
